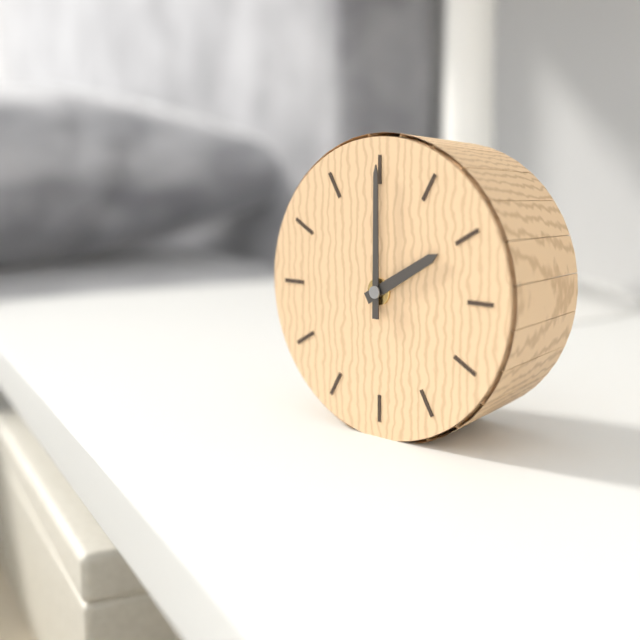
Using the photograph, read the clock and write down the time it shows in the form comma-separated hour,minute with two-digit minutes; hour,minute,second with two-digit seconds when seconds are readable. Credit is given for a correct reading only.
2,00
